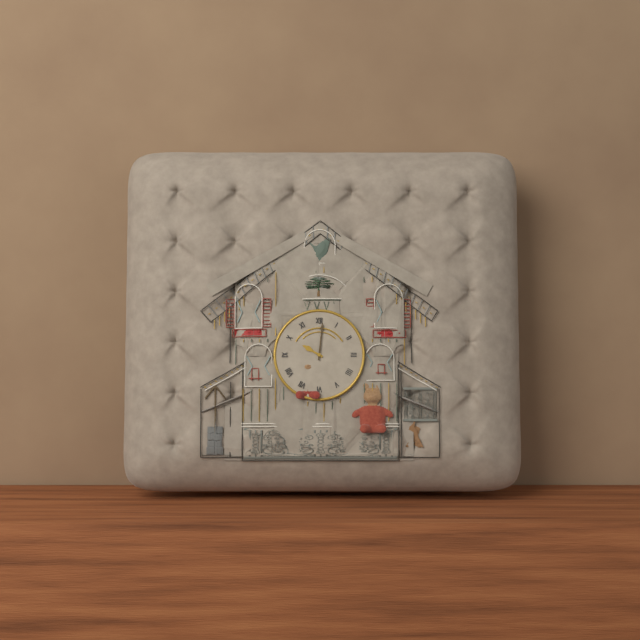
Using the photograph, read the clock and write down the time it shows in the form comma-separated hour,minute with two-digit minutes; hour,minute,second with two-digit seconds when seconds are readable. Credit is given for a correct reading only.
10,01
